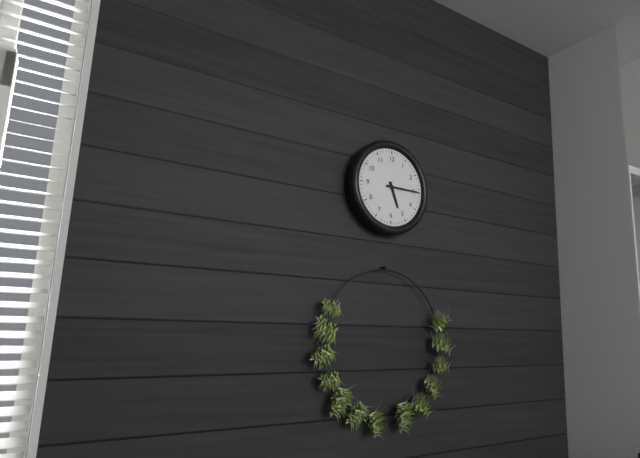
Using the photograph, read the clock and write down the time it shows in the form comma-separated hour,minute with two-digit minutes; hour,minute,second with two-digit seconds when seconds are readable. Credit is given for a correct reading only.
5,15
